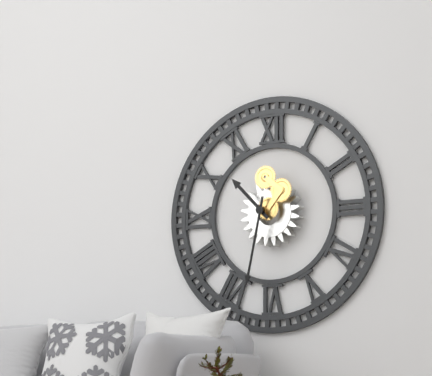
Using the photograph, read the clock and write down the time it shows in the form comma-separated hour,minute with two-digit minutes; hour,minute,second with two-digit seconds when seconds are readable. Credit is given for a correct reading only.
10,32
